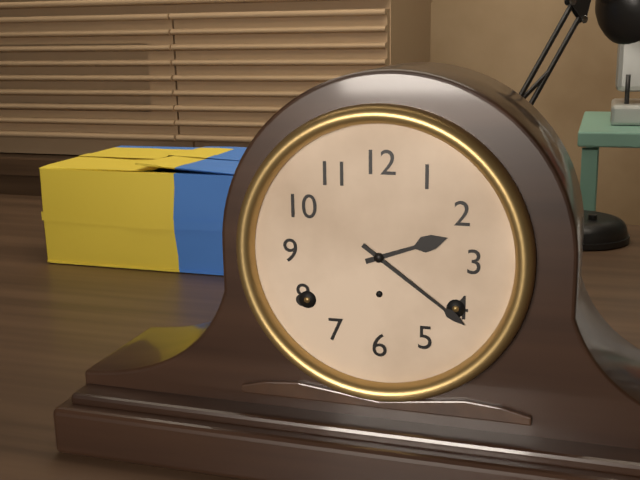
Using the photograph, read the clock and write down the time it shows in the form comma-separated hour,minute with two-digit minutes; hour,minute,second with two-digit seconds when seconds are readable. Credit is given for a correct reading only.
2,21
